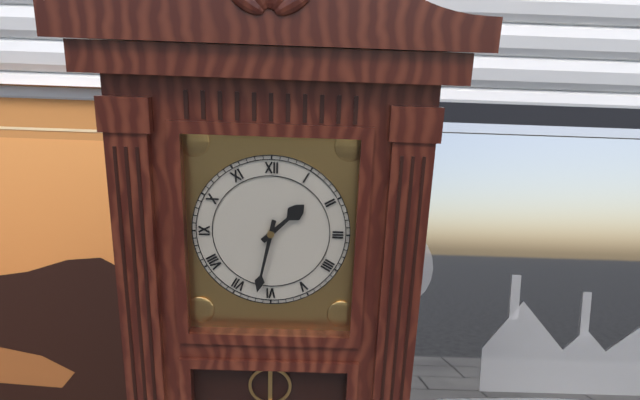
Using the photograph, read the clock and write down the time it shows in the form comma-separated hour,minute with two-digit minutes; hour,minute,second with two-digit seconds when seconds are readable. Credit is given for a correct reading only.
1,32
